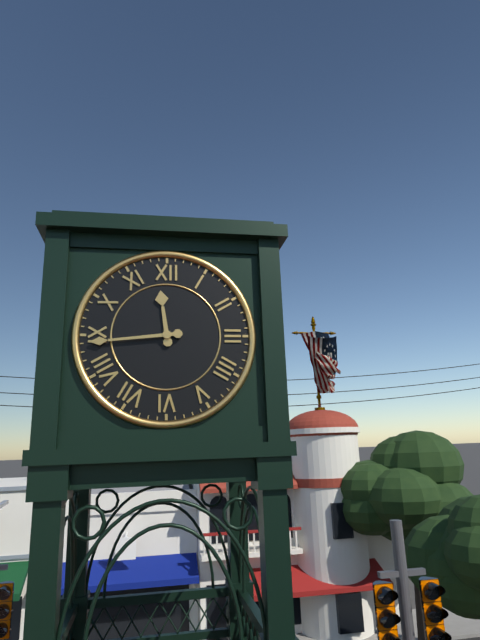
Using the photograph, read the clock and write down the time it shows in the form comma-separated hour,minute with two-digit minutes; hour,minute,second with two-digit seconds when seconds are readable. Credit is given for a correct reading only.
11,44
